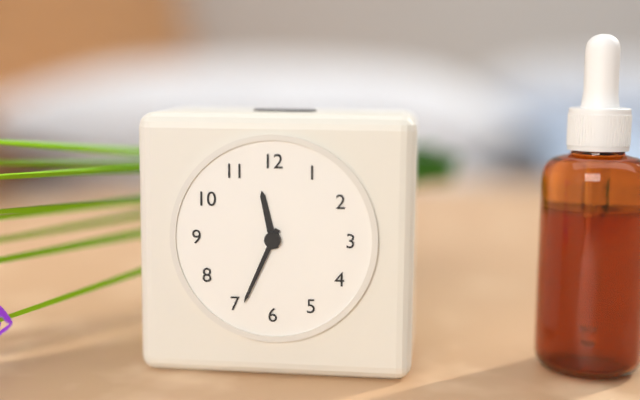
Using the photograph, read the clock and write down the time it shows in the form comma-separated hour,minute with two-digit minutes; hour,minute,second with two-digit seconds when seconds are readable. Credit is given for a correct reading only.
11,34
